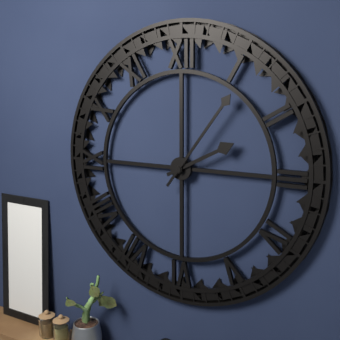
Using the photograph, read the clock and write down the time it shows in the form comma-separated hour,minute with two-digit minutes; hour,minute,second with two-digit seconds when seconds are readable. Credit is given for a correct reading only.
2,06
